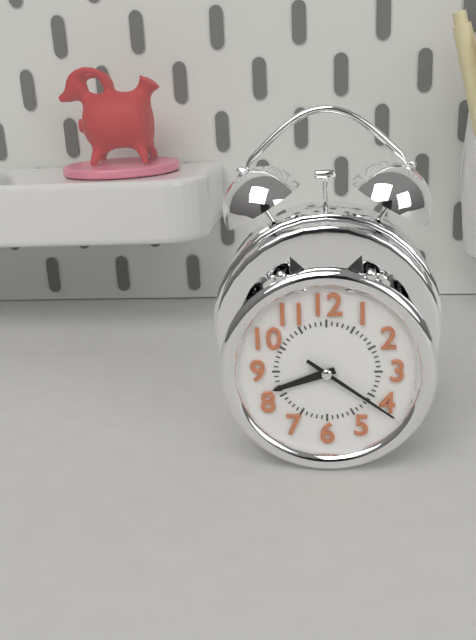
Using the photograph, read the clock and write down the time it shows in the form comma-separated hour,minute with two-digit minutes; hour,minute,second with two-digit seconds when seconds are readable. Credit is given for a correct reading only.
8,21
